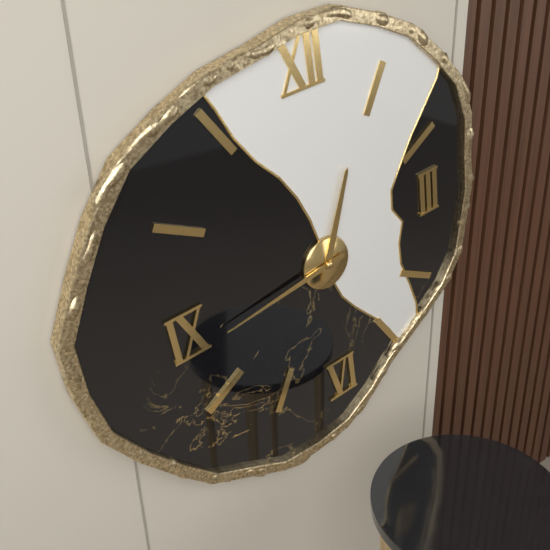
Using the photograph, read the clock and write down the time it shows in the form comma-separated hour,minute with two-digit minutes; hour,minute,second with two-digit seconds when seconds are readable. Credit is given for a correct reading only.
12,44
